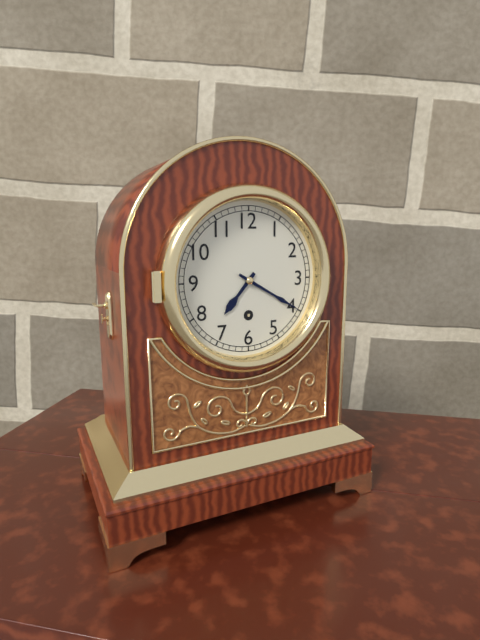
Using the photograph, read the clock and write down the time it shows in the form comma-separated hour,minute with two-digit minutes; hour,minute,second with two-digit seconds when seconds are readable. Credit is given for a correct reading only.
7,20
